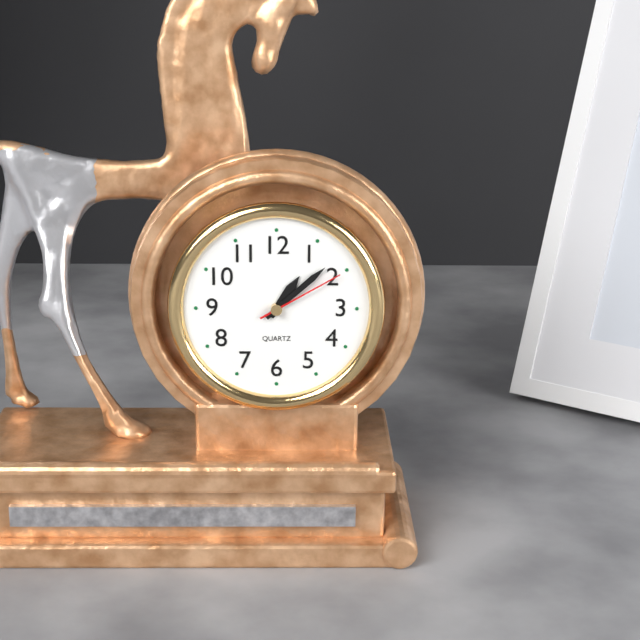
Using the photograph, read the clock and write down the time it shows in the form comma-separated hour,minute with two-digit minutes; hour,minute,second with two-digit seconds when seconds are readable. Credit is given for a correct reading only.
1,08,10
